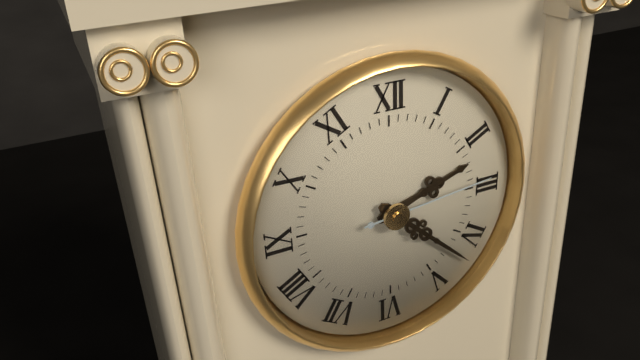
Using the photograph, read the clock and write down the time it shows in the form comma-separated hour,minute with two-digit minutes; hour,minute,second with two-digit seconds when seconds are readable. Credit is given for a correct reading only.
2,22,14
